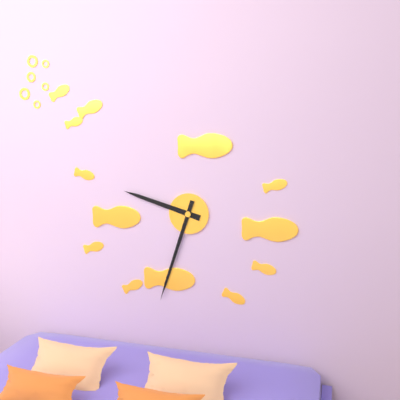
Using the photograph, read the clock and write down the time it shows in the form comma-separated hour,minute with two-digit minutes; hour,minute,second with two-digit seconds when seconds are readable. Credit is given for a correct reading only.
9,33
